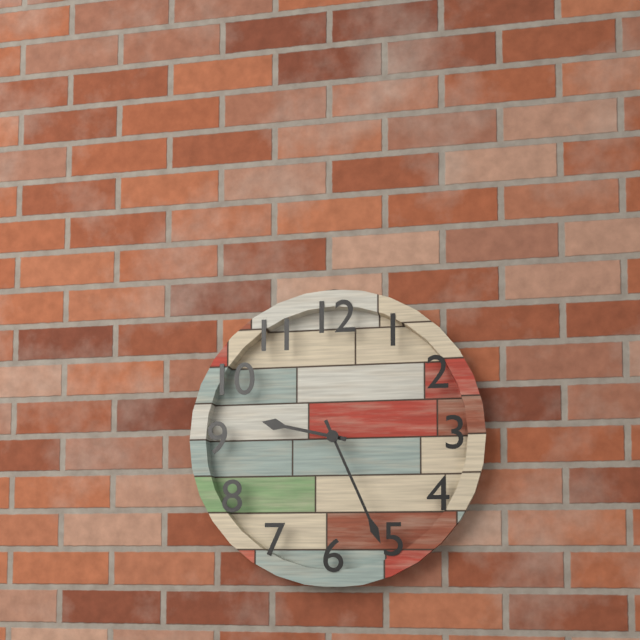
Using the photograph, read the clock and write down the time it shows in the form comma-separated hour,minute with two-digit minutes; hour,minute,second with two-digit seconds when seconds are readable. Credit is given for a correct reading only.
9,26
